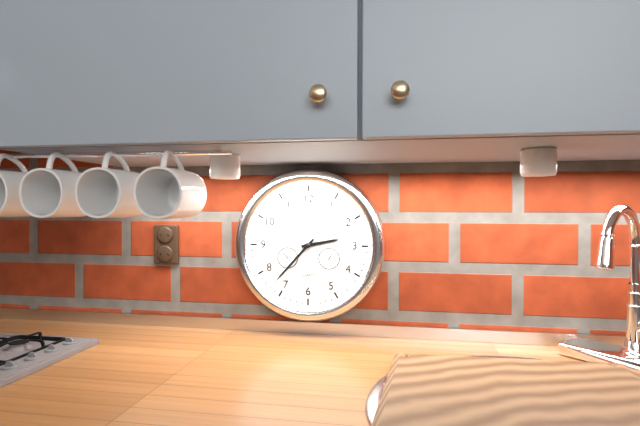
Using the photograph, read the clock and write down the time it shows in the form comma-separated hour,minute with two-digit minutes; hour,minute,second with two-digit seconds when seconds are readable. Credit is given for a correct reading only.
2,37
